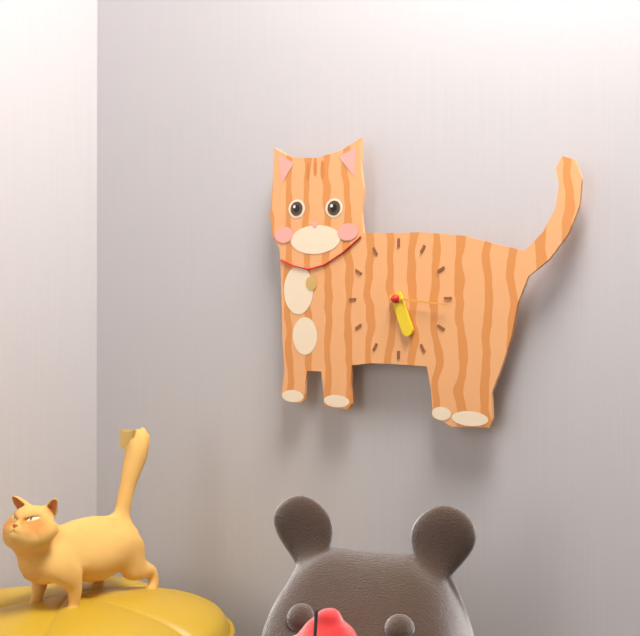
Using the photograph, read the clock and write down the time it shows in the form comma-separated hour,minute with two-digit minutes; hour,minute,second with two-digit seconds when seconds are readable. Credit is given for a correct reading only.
5,16
